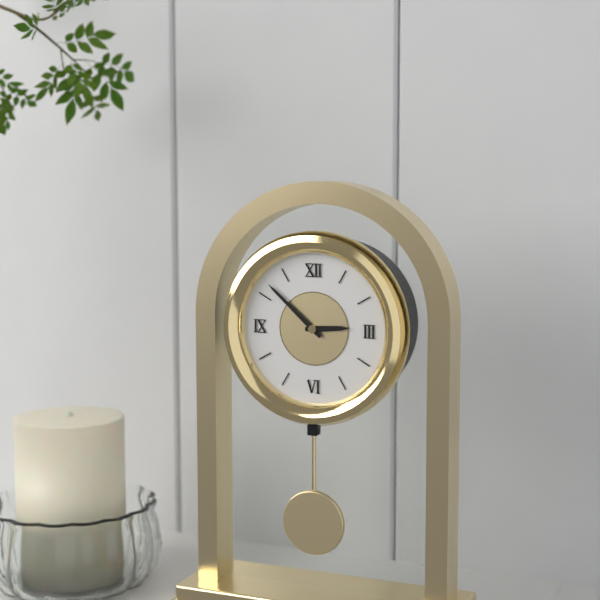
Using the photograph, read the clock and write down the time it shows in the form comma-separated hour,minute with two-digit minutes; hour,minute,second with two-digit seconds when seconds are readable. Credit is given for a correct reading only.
2,52
